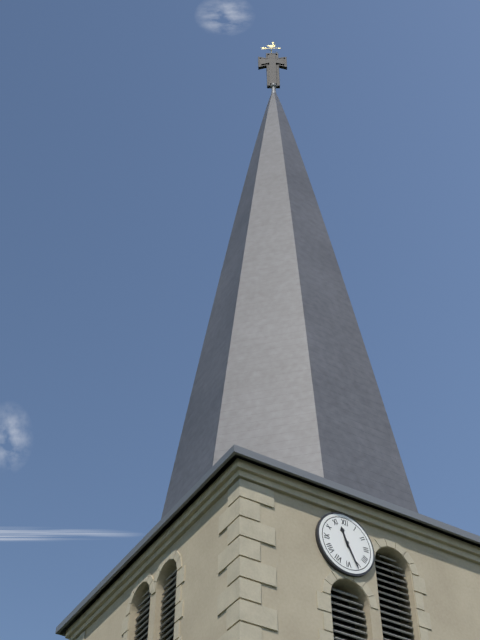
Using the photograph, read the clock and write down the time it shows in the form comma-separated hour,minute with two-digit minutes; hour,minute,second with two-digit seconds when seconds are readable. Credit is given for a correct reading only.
11,26
